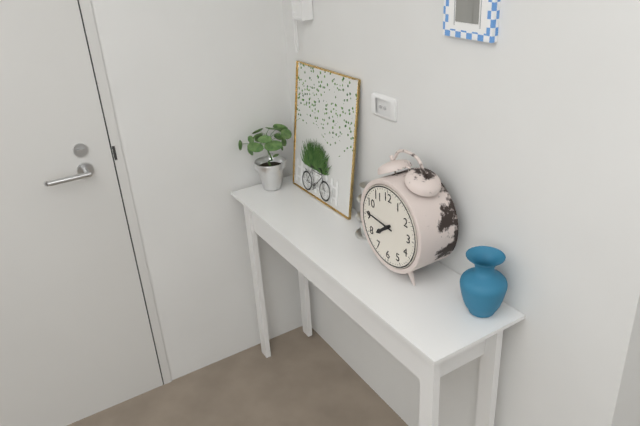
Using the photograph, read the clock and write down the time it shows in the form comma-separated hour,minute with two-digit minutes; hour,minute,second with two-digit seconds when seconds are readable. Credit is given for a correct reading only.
7,46
